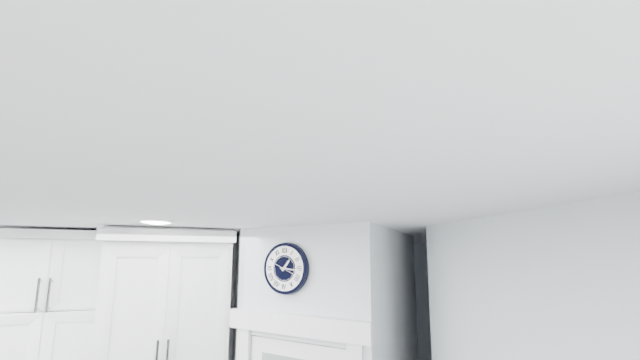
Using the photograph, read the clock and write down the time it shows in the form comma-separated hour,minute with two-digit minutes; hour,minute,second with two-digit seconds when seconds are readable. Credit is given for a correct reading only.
1,16
